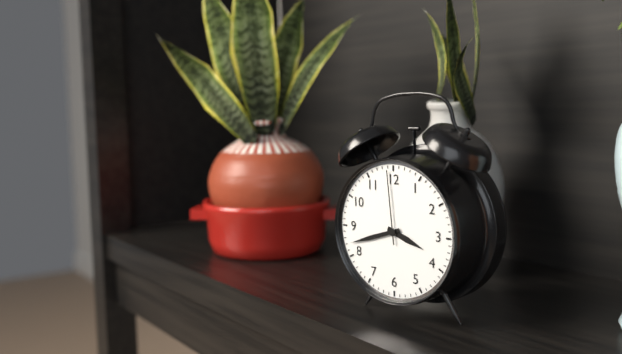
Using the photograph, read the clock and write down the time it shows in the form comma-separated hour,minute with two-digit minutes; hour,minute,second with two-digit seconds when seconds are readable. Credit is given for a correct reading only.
3,42,59
